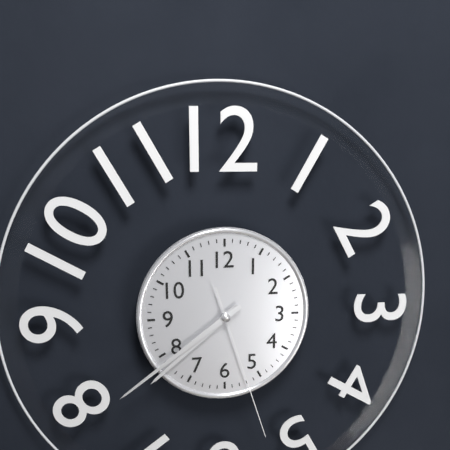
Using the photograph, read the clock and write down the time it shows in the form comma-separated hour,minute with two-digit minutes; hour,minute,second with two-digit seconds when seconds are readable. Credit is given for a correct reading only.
7,39,27
